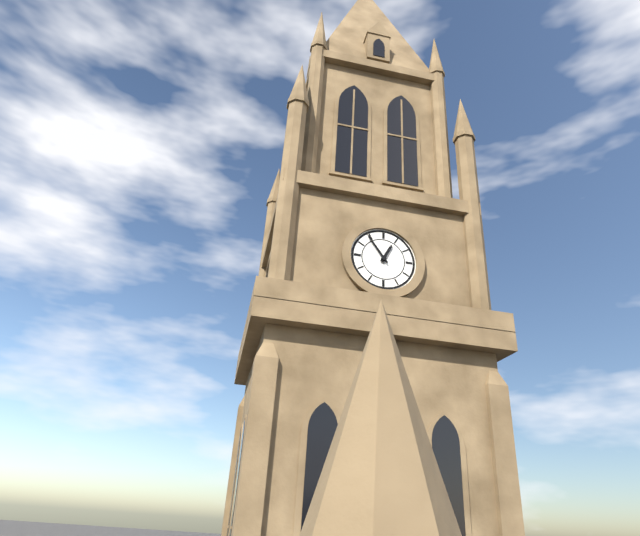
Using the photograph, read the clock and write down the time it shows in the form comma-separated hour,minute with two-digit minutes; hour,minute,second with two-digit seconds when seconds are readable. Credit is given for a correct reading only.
12,54
